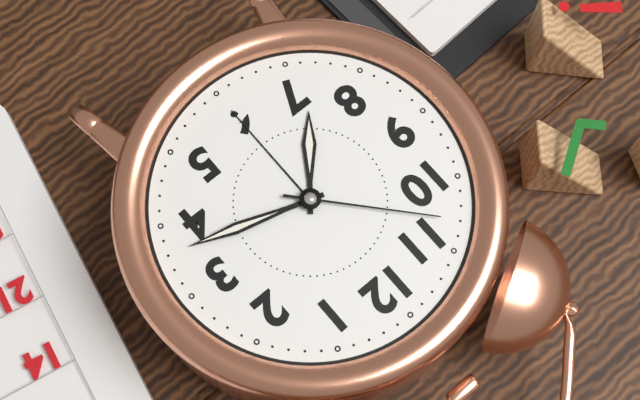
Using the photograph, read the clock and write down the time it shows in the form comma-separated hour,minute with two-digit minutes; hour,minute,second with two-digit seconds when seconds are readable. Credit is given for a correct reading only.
7,18,53
